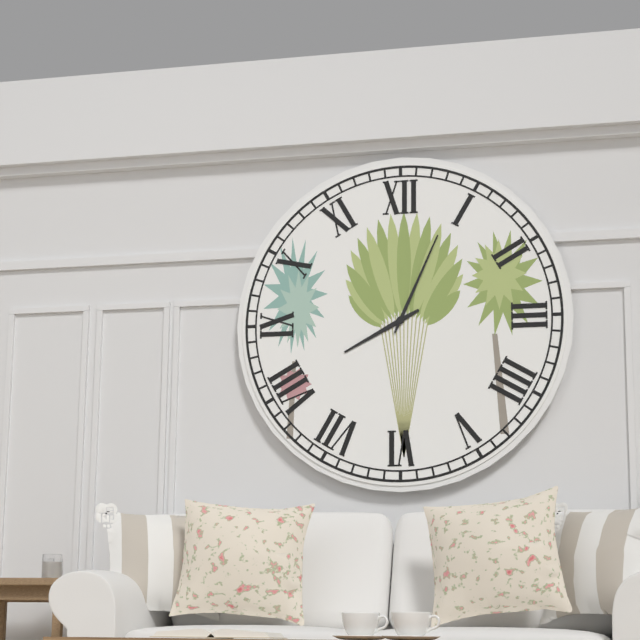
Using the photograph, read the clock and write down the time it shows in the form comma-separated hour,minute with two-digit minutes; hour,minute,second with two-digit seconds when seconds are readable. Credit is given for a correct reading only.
8,04
